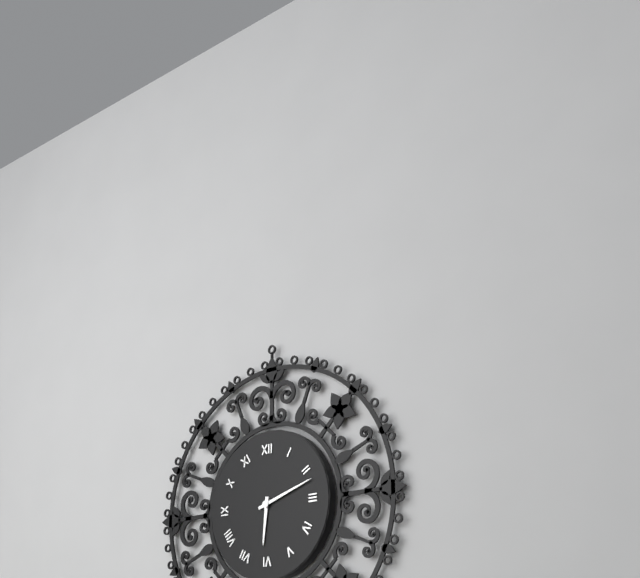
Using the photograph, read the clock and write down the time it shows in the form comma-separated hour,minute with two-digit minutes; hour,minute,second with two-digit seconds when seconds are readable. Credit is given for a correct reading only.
6,12
